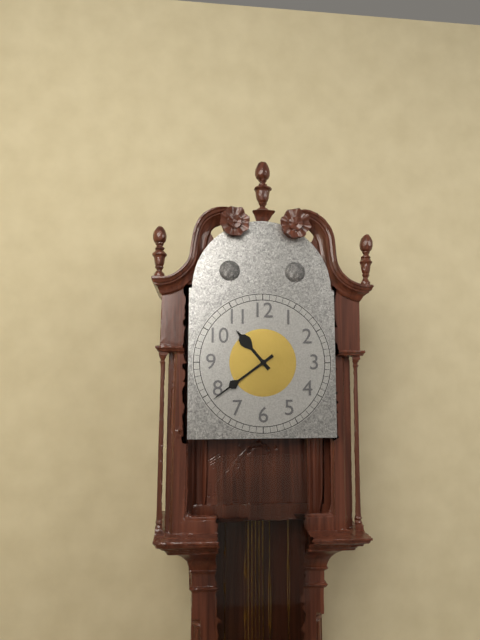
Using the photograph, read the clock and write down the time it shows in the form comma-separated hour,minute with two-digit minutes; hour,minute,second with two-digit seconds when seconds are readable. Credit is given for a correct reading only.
10,39
